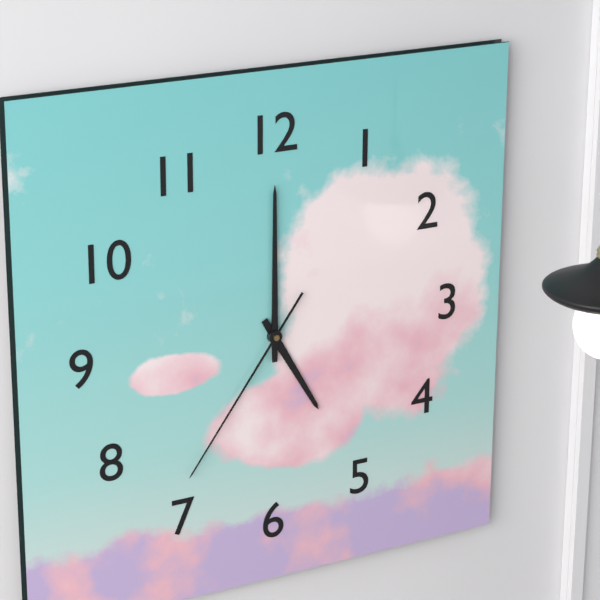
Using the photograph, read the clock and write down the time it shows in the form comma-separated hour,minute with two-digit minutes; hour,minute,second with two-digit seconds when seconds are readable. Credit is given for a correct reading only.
5,00,36
